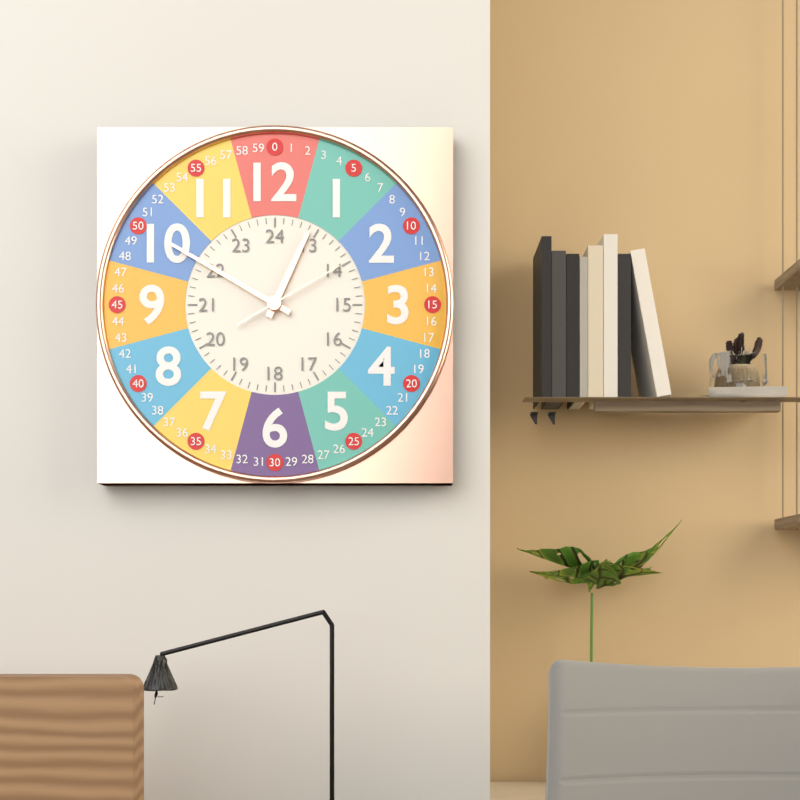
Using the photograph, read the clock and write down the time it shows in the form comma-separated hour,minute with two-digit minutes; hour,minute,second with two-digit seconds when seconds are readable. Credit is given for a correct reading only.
12,50,10
